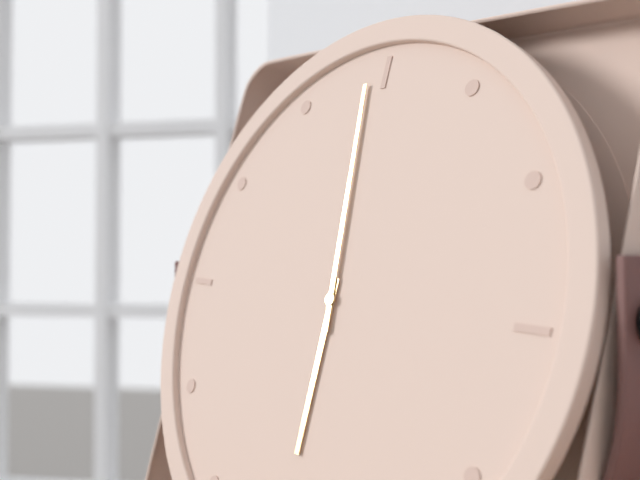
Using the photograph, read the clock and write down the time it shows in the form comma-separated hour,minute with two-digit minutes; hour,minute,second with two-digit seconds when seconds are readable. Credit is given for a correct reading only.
5,59
